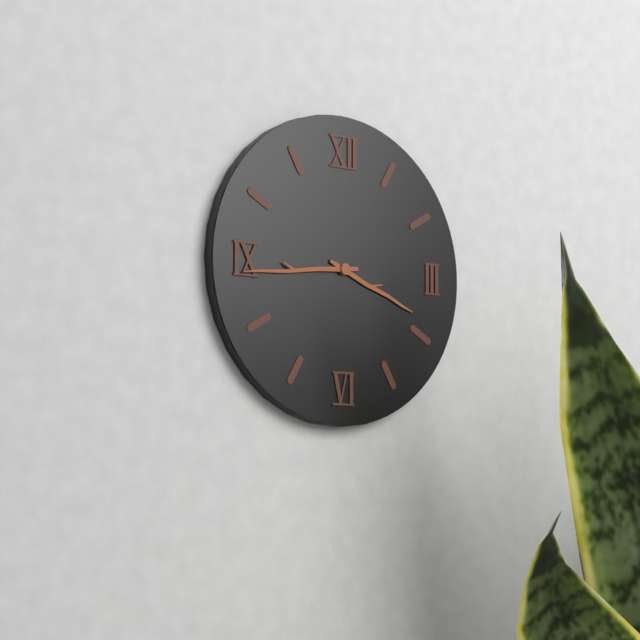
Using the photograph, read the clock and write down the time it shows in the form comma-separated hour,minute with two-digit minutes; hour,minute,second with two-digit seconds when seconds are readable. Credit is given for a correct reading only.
3,44
